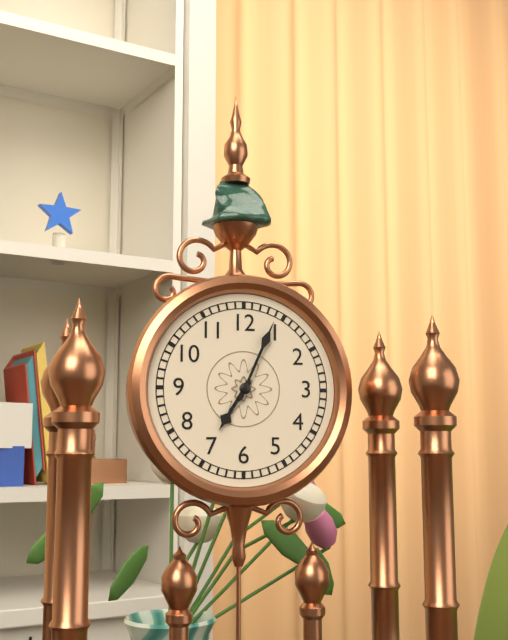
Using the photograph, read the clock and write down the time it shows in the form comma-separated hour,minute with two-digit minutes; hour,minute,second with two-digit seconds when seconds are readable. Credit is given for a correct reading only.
7,04
